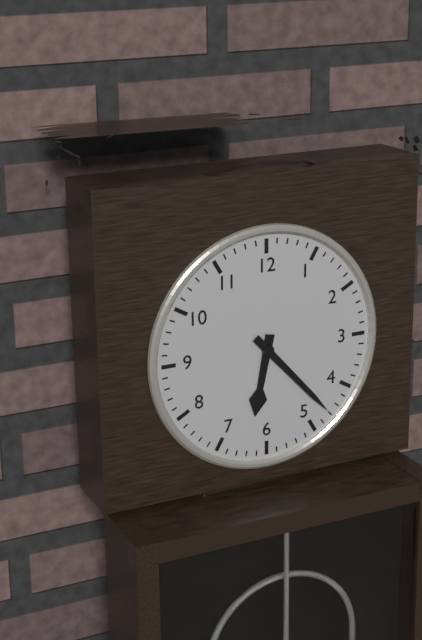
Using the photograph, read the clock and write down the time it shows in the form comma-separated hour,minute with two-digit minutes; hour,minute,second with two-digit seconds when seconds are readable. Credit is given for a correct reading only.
6,23
